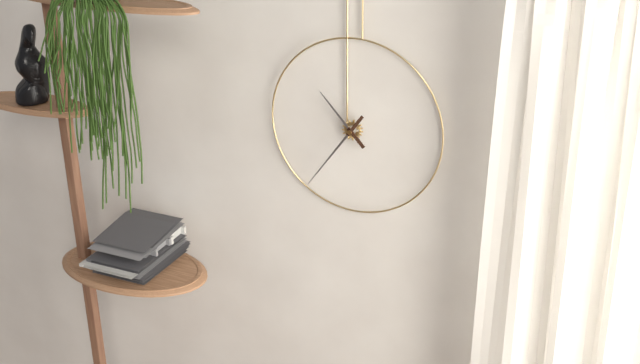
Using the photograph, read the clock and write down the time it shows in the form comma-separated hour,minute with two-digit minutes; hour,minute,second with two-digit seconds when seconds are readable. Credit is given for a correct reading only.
10,36
